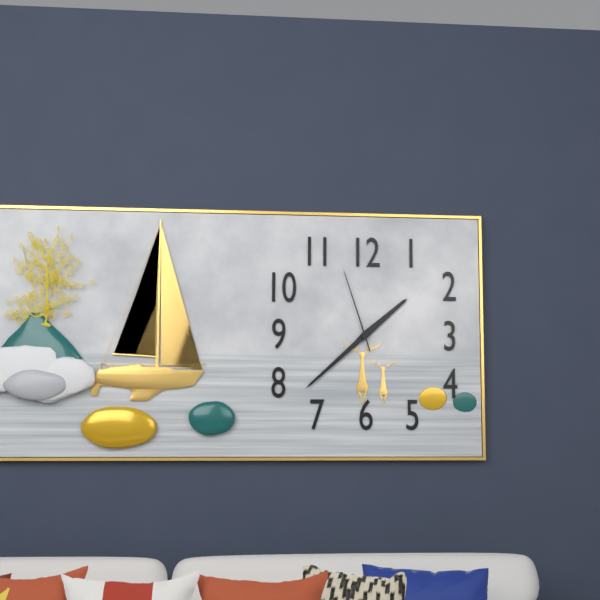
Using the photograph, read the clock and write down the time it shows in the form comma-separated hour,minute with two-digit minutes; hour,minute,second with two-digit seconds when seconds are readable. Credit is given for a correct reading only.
1,38,57
